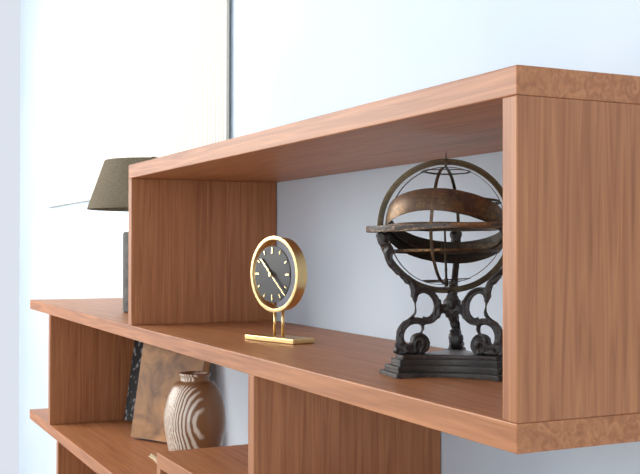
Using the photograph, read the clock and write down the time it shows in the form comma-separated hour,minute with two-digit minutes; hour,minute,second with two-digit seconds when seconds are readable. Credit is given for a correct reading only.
10,22
